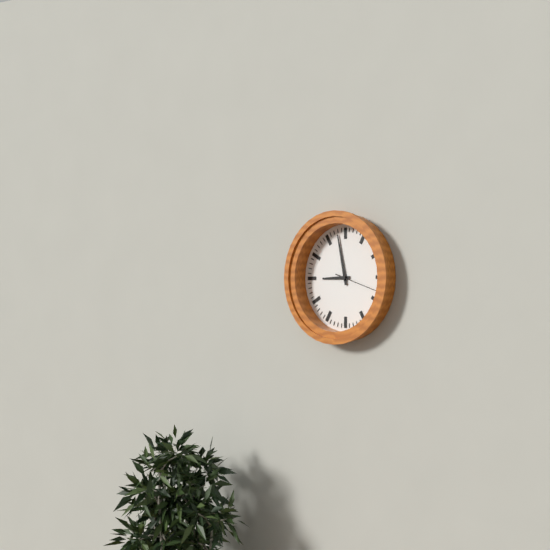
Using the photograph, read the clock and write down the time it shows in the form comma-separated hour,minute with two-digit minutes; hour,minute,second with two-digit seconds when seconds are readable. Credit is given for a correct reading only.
8,58
